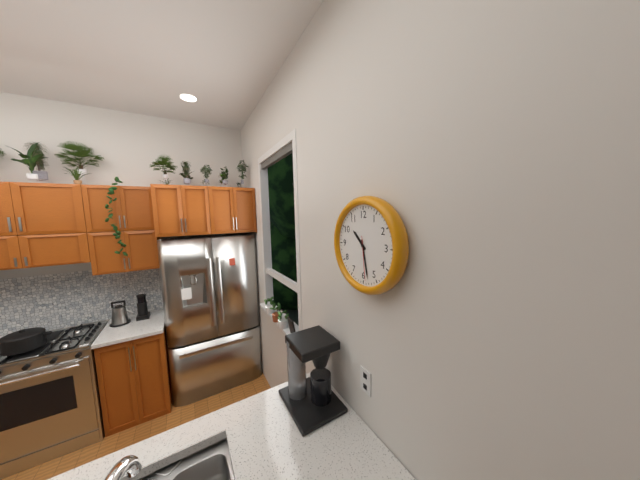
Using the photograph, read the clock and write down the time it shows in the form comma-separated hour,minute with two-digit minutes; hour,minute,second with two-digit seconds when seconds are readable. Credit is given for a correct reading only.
10,28
